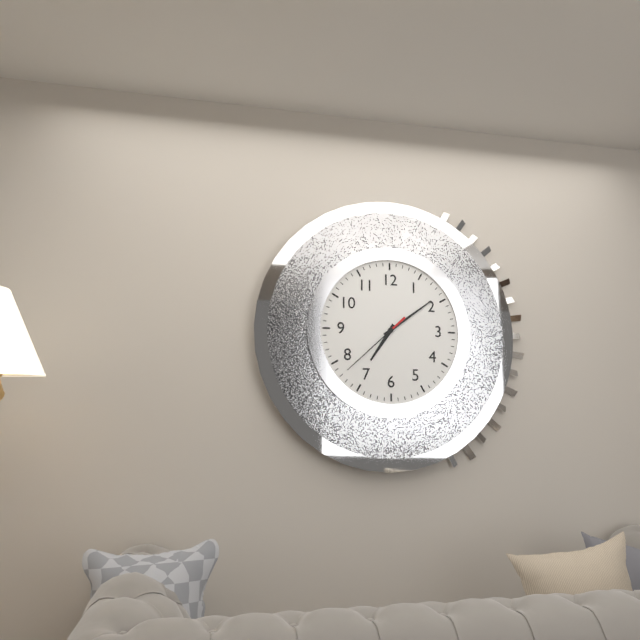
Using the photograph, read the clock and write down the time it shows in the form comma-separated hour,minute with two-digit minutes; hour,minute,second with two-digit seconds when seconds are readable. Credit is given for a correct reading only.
7,09,38
